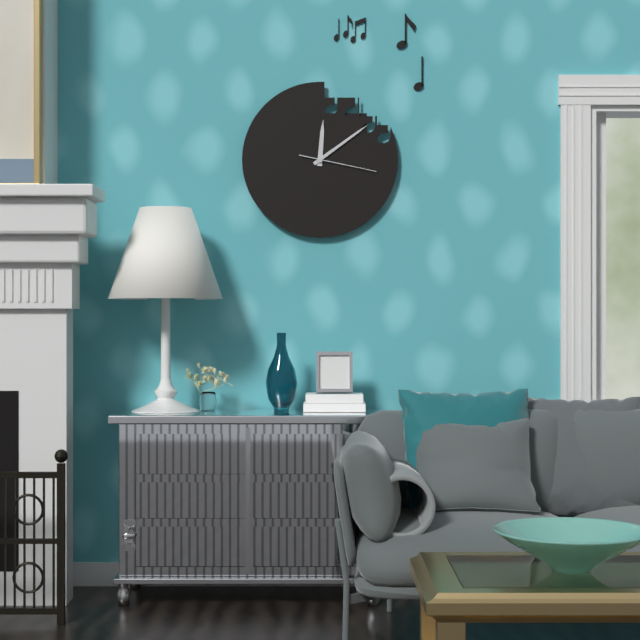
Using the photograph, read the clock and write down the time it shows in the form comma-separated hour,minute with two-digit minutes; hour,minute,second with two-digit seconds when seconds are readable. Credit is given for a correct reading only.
12,09,17
